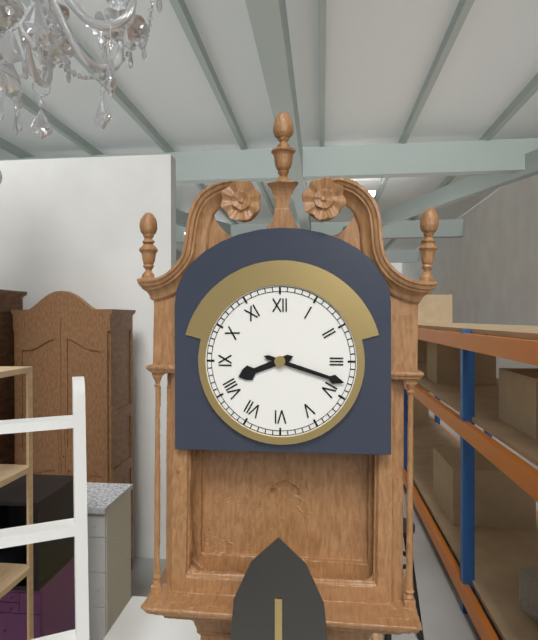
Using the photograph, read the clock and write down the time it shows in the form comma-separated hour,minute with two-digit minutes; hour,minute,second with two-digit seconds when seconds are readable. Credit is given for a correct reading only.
8,18
